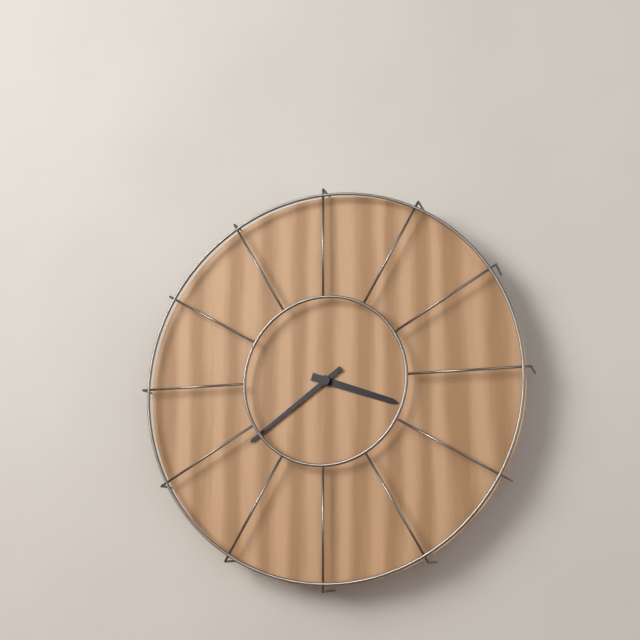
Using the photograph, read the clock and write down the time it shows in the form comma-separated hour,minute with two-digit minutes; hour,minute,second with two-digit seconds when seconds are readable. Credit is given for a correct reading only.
3,39
